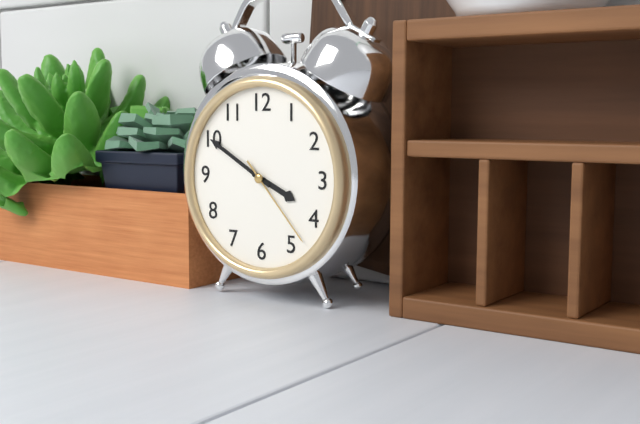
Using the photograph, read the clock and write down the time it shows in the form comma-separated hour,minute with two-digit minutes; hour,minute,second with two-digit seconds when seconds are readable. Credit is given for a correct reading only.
3,50,23
